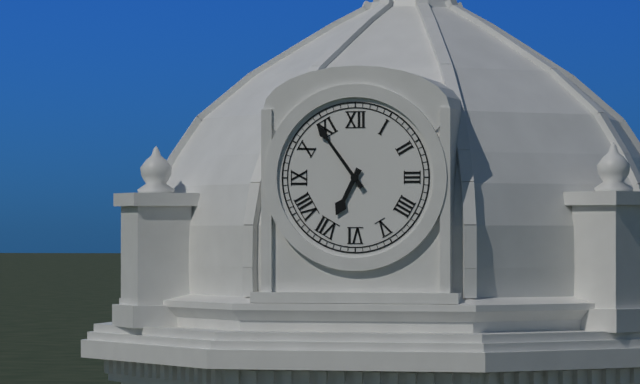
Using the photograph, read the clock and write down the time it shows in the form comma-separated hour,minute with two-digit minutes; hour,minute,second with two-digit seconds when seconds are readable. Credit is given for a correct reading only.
6,54
